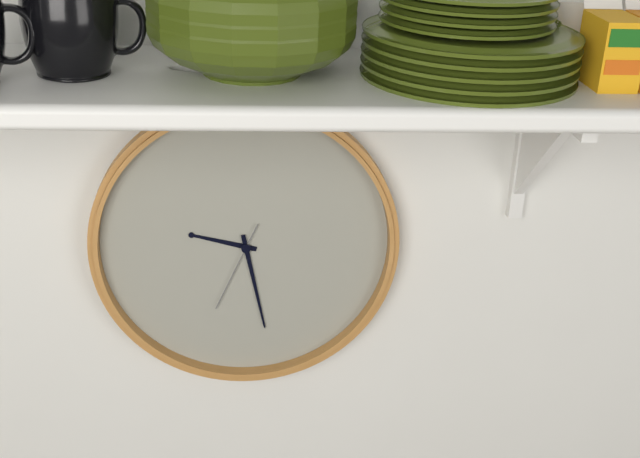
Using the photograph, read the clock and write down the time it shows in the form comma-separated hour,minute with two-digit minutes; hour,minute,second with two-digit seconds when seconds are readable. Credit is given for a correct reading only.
9,28,34
